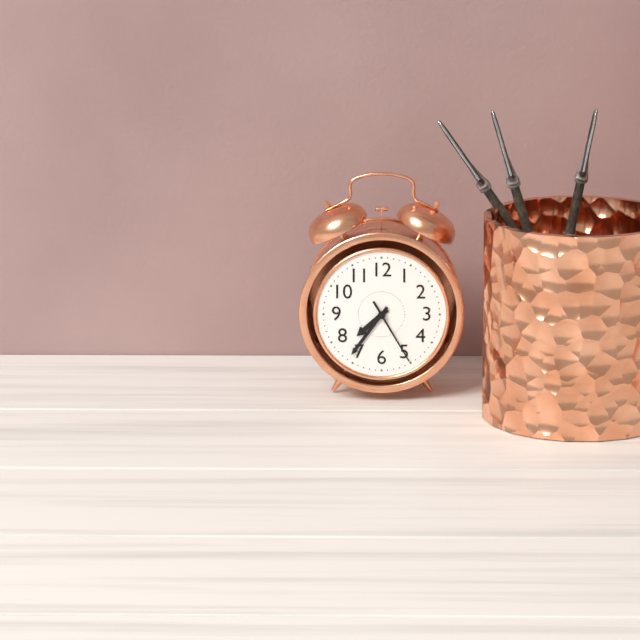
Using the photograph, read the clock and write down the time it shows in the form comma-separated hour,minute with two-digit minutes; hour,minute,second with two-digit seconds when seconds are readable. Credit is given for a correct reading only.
7,36,25
